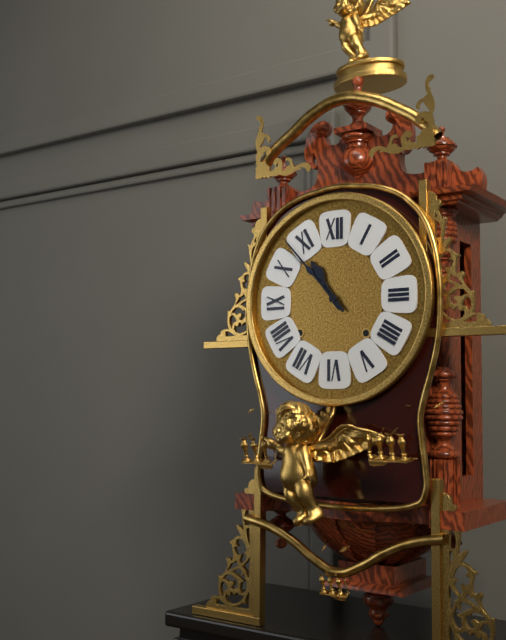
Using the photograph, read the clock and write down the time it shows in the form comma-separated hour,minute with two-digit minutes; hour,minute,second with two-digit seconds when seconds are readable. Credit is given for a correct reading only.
10,53
